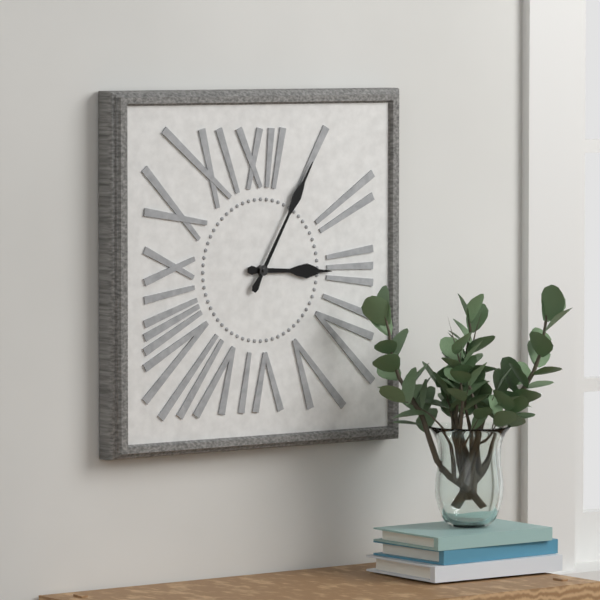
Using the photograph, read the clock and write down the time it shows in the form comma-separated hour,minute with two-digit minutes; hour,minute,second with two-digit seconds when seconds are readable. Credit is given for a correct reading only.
3,05
